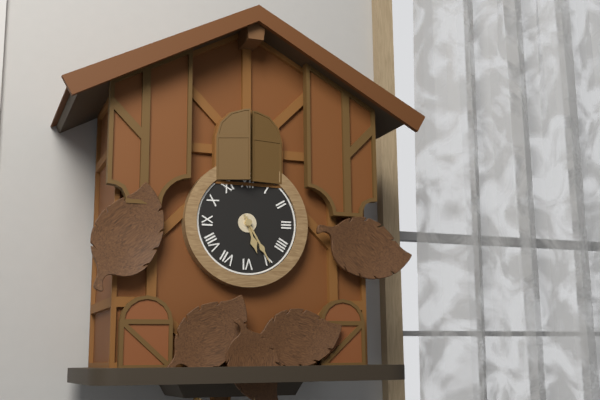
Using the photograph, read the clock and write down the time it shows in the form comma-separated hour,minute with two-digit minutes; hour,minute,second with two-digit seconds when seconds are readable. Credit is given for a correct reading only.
5,25
